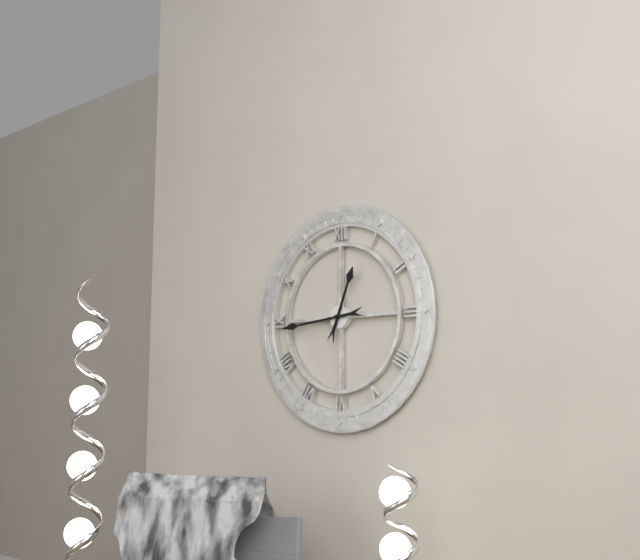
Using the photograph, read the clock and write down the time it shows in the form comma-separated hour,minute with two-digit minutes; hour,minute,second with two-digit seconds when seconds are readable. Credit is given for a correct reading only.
12,44
